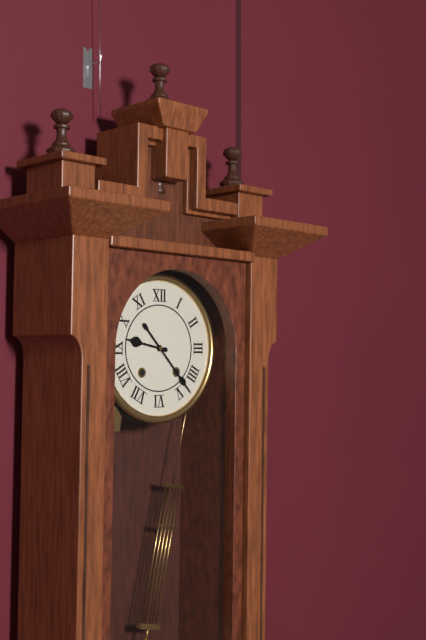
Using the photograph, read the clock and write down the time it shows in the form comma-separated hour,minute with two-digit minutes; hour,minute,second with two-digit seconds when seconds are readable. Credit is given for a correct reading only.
9,23
